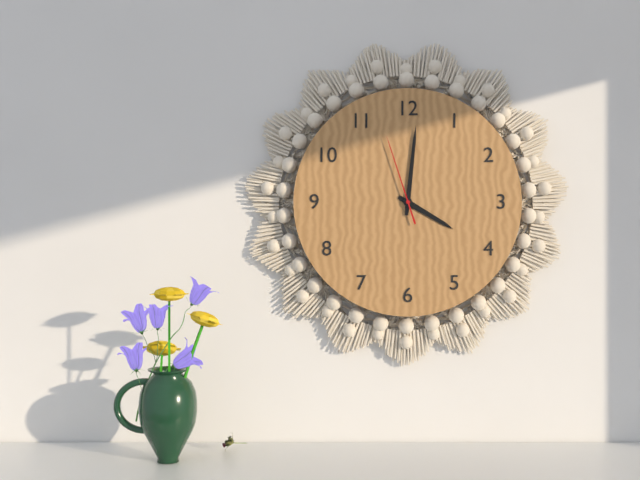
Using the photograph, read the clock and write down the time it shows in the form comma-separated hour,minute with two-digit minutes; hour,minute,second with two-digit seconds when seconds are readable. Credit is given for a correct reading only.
4,01,57
